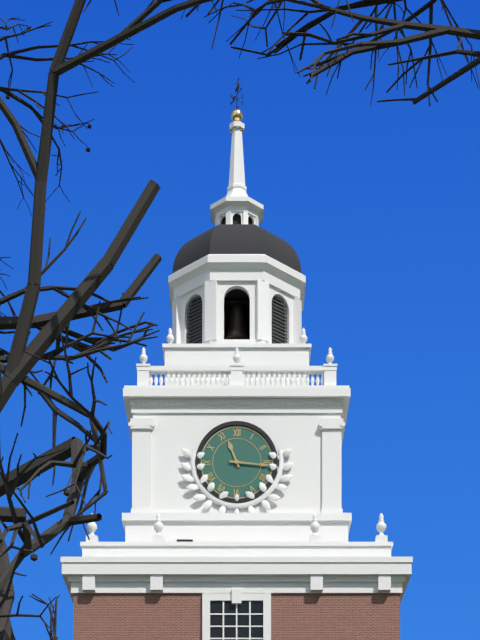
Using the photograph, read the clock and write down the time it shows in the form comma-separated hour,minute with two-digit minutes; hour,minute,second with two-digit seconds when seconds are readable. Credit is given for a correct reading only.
11,16
